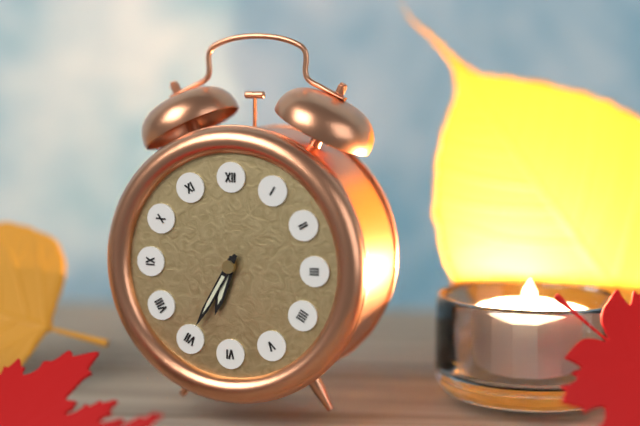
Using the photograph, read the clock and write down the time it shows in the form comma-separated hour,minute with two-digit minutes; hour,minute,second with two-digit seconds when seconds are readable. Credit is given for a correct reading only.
6,35
